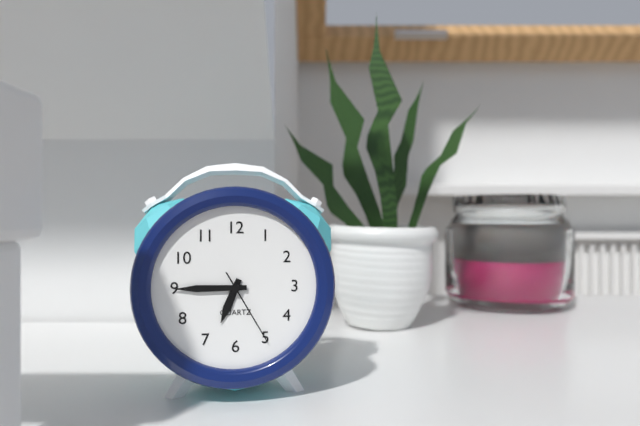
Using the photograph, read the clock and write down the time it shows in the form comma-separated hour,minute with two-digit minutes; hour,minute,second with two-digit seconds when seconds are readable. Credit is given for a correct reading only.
6,45,25
